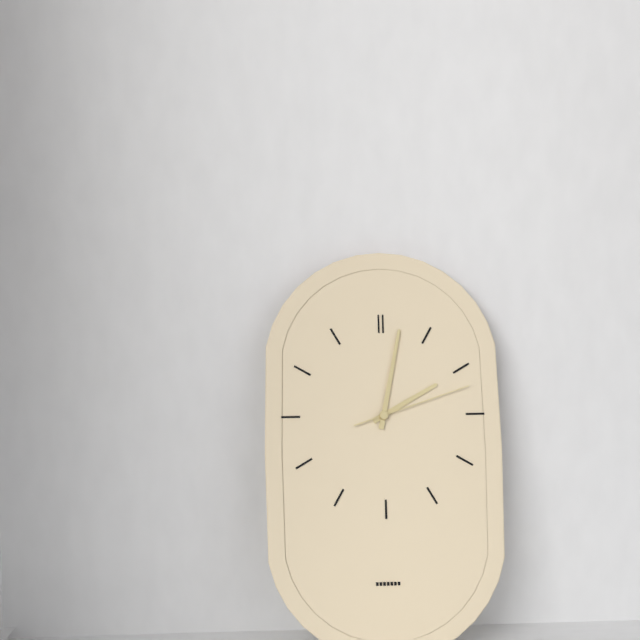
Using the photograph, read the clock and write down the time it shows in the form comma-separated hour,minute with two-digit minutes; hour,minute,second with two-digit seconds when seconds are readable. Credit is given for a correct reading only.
2,02,12
